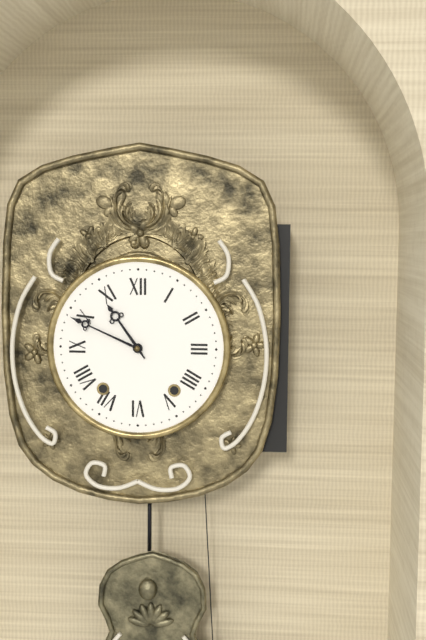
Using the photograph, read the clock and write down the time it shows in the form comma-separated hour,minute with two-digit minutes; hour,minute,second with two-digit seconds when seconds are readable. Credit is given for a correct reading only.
10,49
